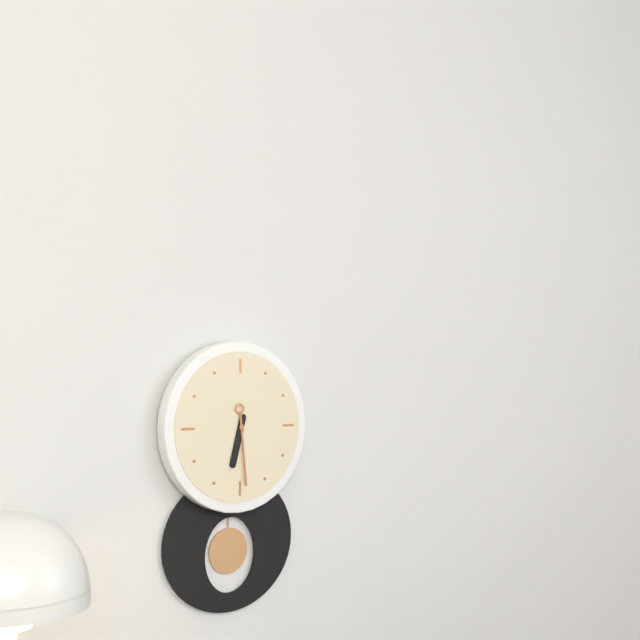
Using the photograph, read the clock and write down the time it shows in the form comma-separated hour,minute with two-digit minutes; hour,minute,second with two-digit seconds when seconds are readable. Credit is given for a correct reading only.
6,29
